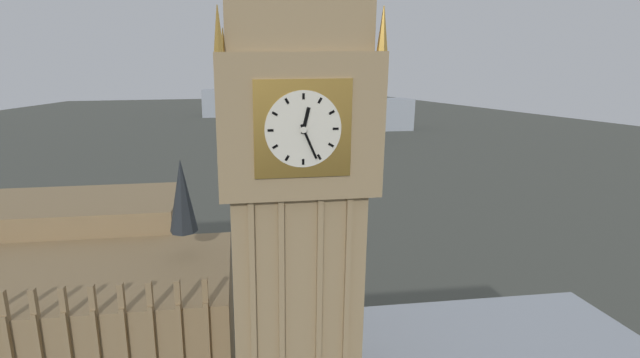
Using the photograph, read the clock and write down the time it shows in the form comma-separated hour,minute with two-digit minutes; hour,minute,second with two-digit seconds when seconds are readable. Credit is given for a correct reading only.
12,26
